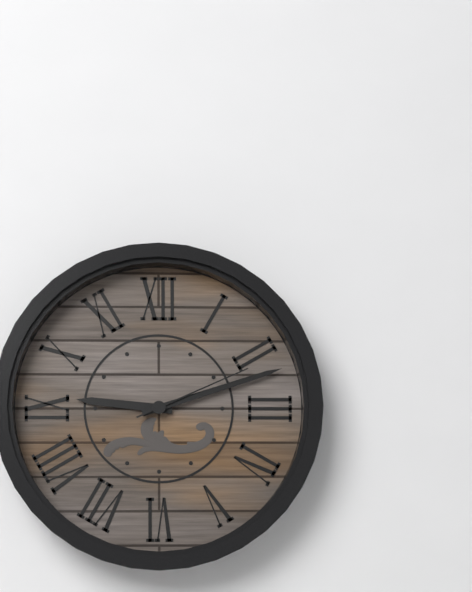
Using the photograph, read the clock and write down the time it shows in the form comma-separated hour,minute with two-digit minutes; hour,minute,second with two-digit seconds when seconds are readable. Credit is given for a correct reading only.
9,12,11
